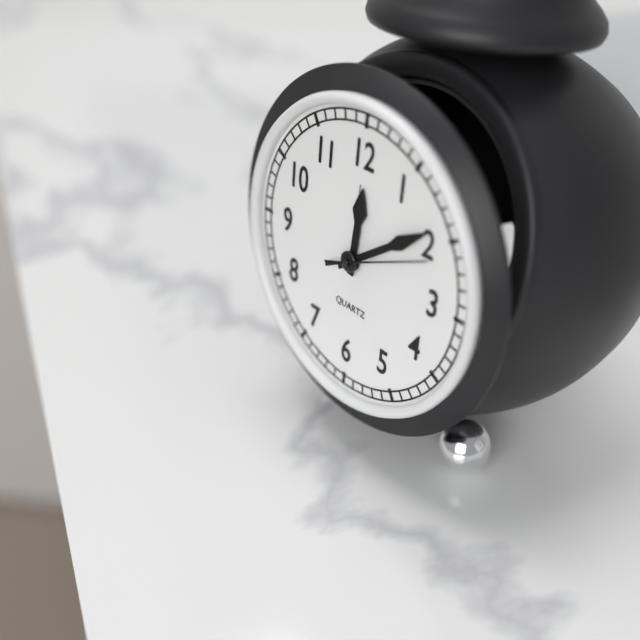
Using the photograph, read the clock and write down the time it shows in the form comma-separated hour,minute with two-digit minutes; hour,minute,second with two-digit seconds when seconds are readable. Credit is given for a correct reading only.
12,09,11
